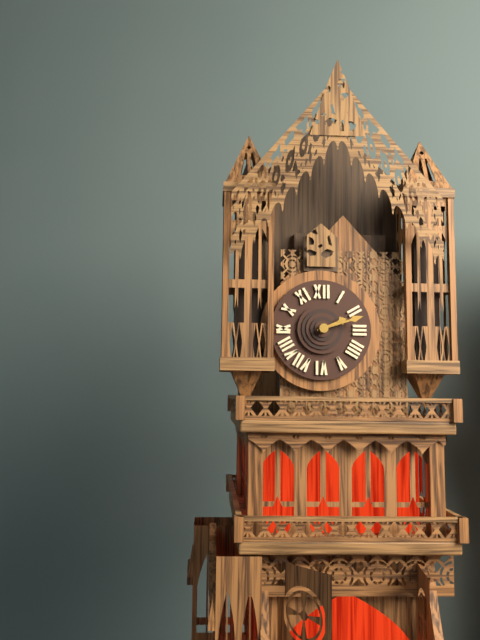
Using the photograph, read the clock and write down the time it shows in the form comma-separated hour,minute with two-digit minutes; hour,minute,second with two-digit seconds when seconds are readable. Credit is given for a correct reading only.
2,12
